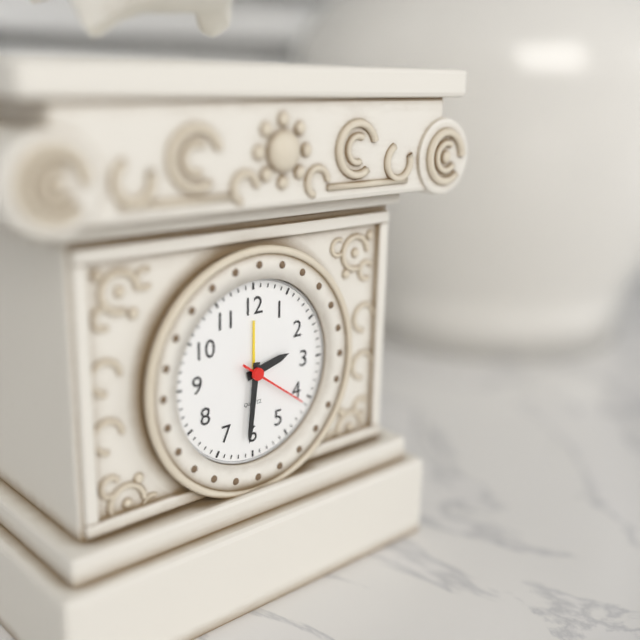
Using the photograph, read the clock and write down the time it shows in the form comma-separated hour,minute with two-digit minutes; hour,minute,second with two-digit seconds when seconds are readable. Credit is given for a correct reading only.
2,31,21
